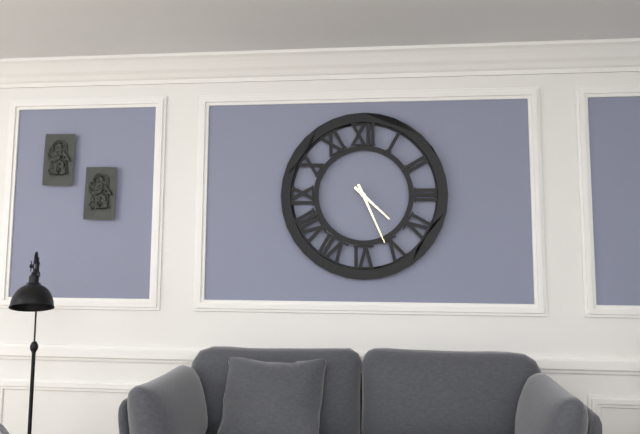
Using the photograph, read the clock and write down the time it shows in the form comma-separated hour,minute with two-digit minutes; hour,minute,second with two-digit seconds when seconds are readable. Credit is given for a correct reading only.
4,26
